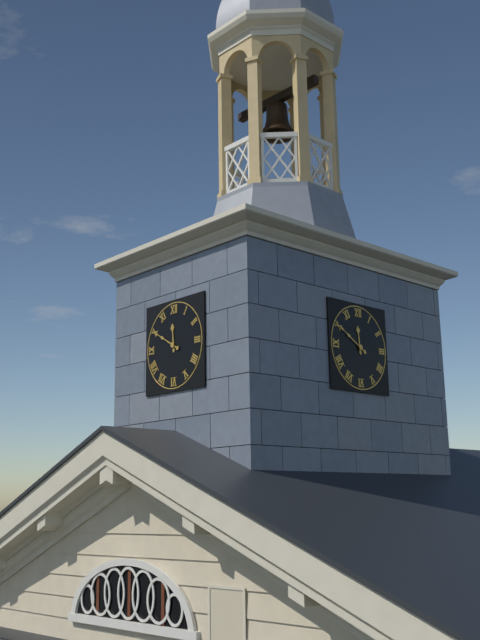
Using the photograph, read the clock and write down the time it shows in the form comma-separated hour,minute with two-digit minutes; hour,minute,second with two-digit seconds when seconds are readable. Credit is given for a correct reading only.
11,50
